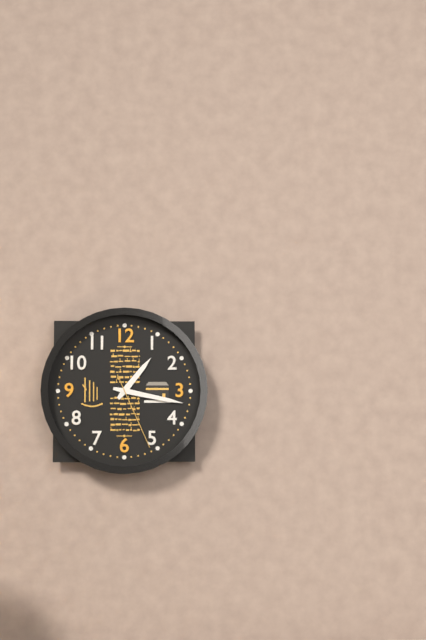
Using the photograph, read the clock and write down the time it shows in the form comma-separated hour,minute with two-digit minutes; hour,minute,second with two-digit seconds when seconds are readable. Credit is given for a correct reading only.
1,17,26
